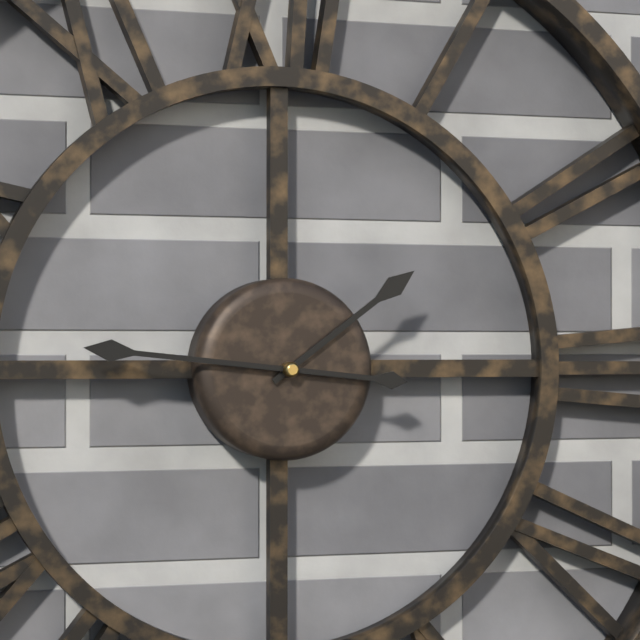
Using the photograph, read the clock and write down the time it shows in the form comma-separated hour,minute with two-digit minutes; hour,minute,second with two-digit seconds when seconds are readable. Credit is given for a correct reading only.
1,46
